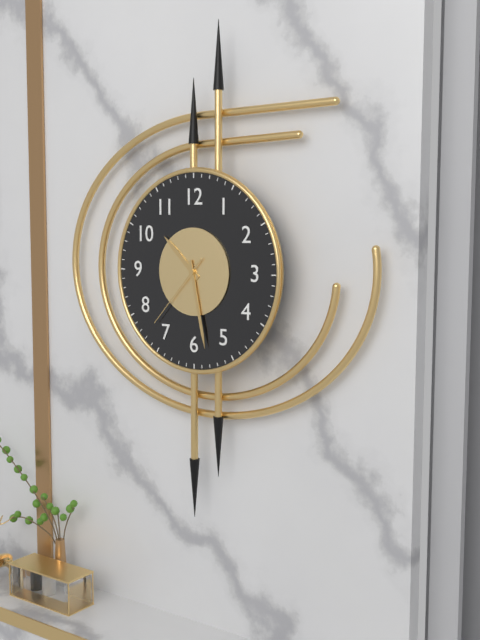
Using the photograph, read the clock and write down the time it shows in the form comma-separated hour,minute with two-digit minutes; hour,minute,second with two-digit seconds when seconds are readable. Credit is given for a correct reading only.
10,28,37
